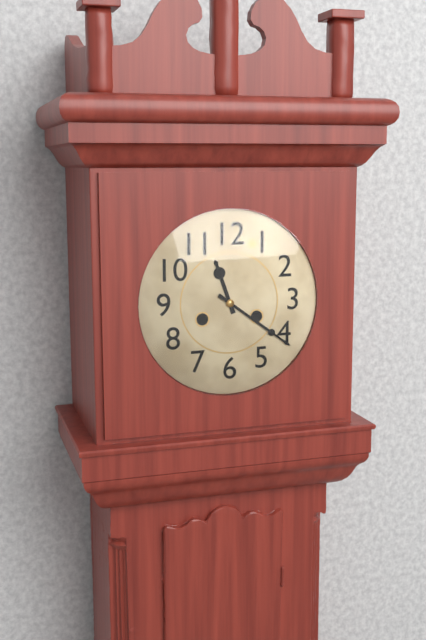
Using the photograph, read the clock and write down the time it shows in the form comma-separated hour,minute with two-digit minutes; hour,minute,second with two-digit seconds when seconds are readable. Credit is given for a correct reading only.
11,21
